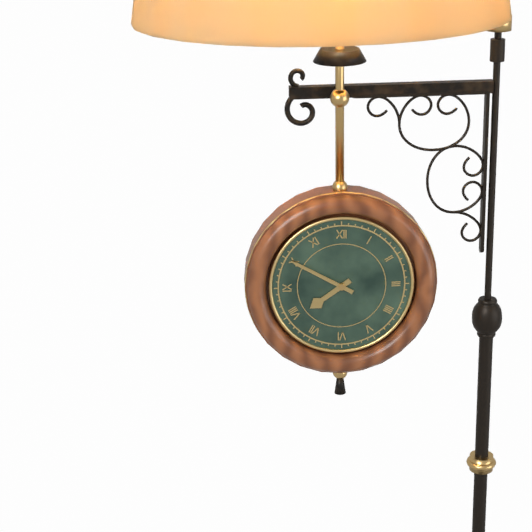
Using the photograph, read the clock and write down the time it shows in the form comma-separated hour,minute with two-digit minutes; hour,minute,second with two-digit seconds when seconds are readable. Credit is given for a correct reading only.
7,50
